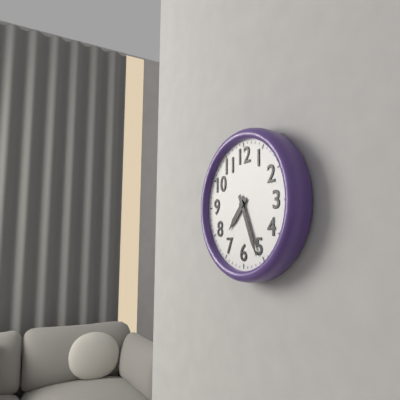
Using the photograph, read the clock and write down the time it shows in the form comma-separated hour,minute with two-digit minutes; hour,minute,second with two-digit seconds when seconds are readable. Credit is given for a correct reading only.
7,26
